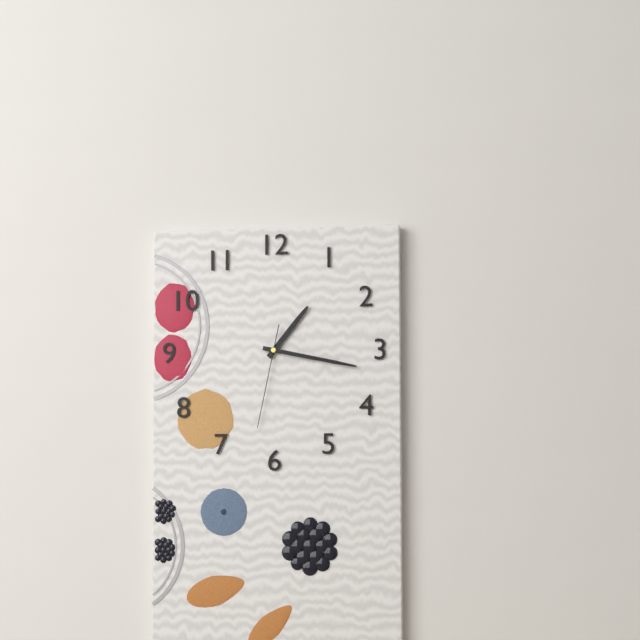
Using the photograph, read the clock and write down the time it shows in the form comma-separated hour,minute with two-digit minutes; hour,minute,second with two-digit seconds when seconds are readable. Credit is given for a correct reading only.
1,17,32
